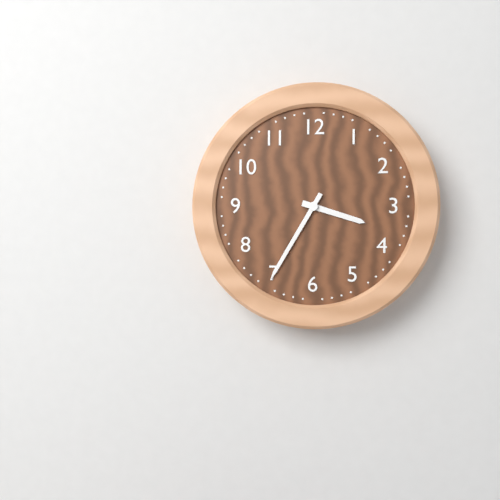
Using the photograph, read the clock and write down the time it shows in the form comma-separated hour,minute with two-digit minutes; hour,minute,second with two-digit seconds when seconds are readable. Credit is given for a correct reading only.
3,35
